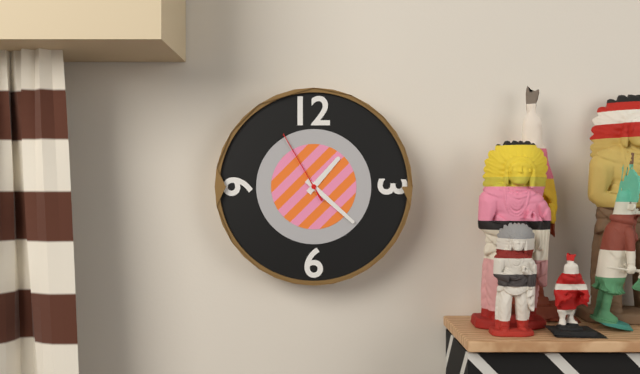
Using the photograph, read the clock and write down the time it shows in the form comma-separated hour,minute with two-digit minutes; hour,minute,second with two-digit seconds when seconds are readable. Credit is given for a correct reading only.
1,22,55
